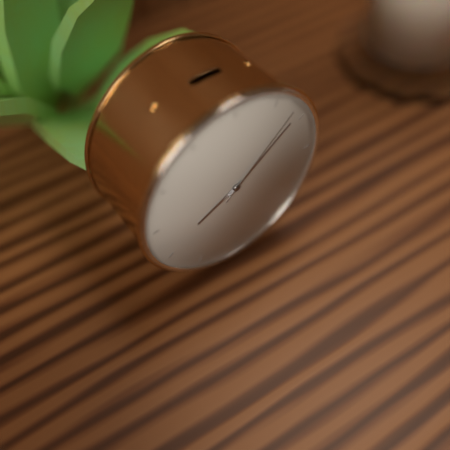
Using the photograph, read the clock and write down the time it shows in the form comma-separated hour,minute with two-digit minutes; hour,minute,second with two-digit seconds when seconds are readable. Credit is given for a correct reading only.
8,09,08
